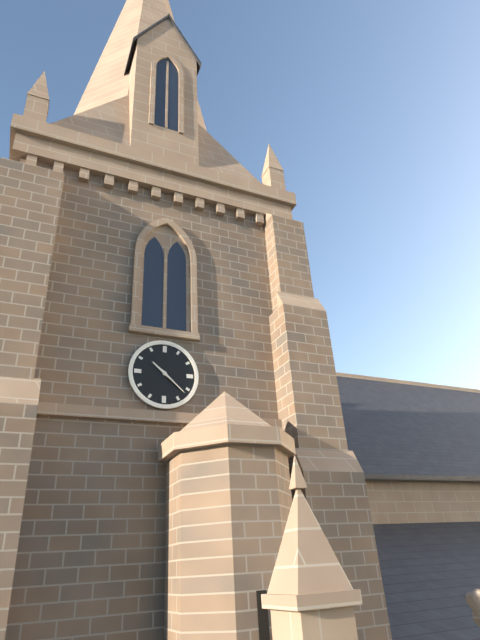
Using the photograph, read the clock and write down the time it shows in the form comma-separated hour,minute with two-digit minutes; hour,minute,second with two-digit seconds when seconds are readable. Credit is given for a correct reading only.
10,22
